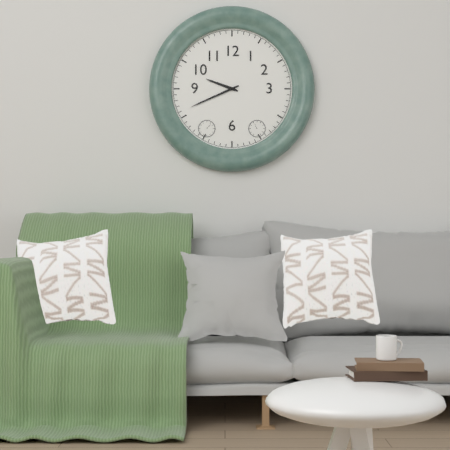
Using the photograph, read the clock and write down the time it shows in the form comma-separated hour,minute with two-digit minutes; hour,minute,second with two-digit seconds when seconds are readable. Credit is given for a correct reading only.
9,41
